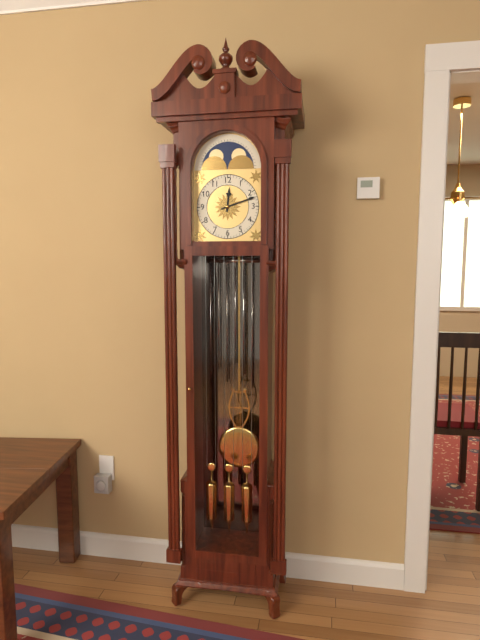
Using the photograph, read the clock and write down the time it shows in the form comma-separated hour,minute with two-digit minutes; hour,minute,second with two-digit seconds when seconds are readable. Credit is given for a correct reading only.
12,12
